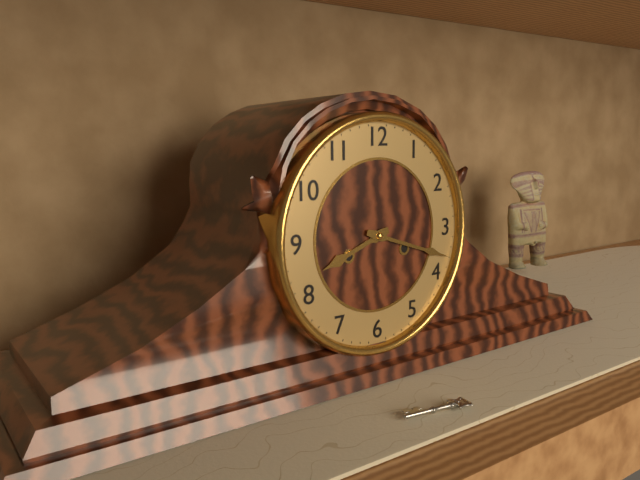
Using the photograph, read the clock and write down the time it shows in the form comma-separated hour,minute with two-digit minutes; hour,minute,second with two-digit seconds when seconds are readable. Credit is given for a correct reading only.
8,18
